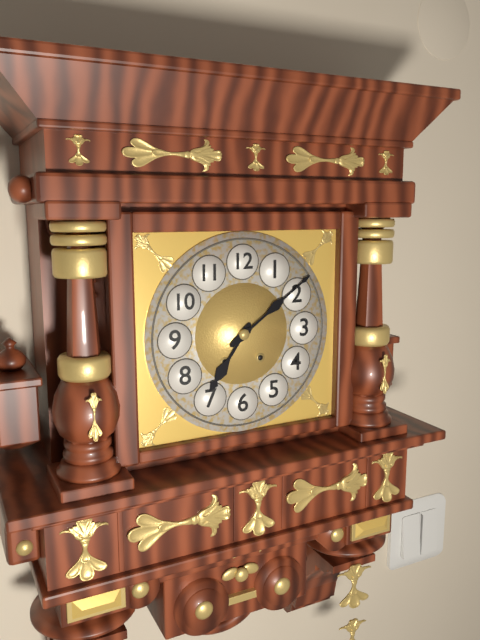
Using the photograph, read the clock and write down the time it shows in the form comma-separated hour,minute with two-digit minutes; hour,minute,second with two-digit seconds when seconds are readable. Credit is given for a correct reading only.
7,09
